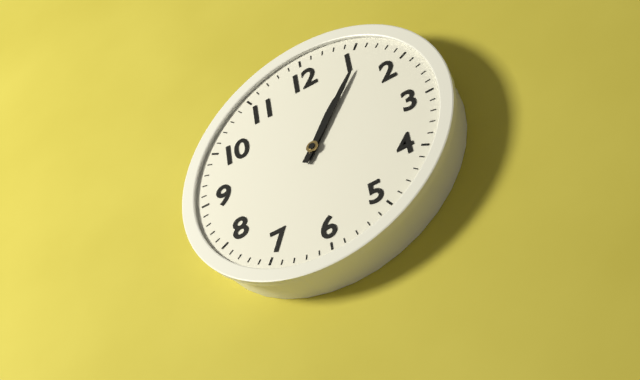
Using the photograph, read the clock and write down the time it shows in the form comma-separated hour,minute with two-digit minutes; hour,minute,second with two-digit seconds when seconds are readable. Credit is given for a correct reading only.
1,06
